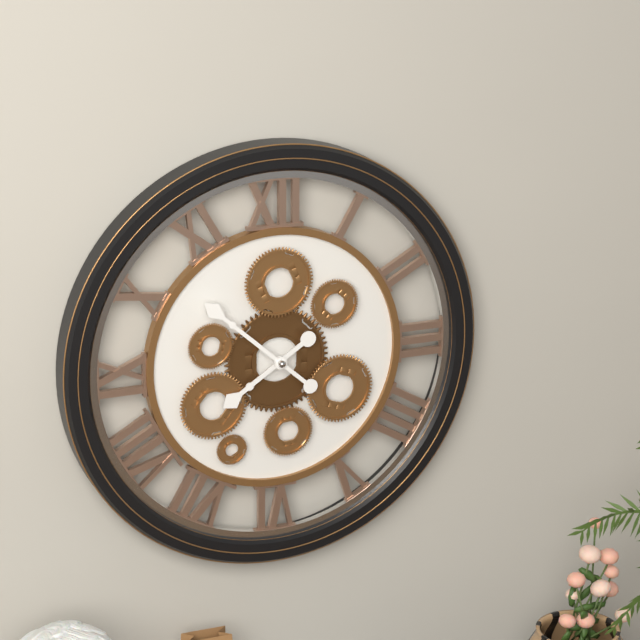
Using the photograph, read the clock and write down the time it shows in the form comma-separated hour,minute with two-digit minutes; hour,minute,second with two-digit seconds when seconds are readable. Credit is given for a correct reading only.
7,52
